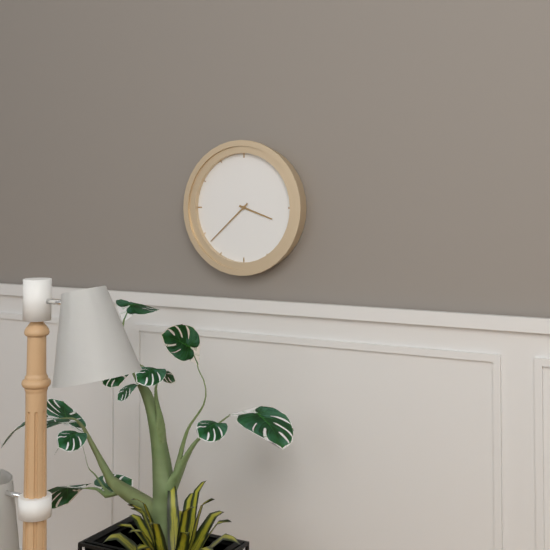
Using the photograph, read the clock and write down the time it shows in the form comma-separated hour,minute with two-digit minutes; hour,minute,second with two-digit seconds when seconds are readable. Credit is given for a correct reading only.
3,38
